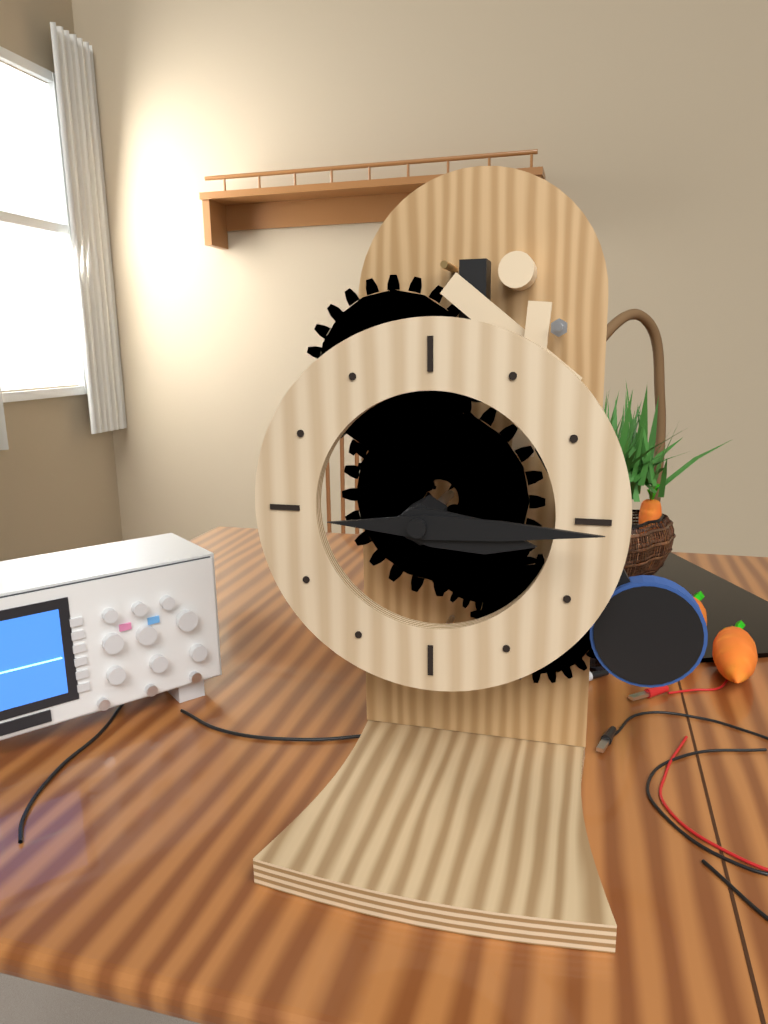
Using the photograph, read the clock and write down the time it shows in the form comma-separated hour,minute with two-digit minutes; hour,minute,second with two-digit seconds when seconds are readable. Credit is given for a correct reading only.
3,15
